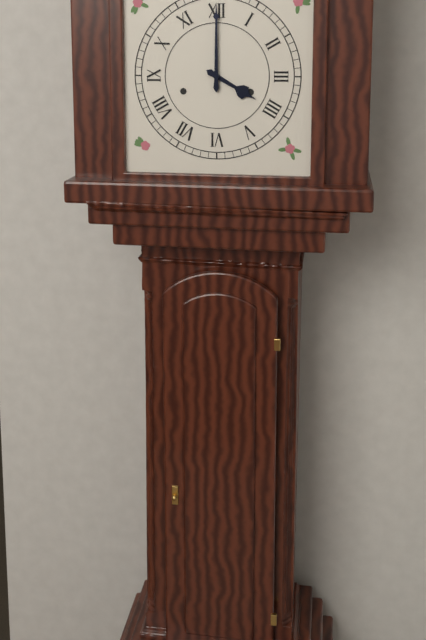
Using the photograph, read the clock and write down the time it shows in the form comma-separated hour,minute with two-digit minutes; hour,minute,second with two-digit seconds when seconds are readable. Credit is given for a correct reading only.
4,00
